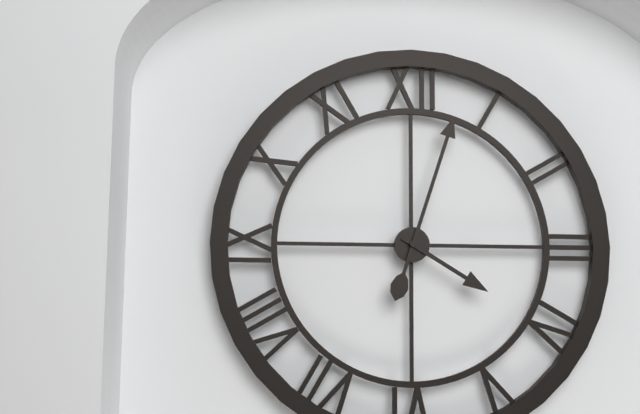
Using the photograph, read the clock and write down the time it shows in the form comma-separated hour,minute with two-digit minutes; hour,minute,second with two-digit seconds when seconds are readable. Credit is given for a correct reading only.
4,03
